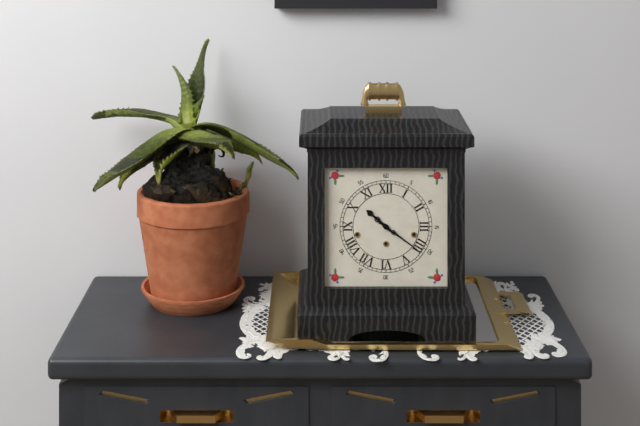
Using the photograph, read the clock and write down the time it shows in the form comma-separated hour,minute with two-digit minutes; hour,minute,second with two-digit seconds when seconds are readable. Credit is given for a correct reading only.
10,21
